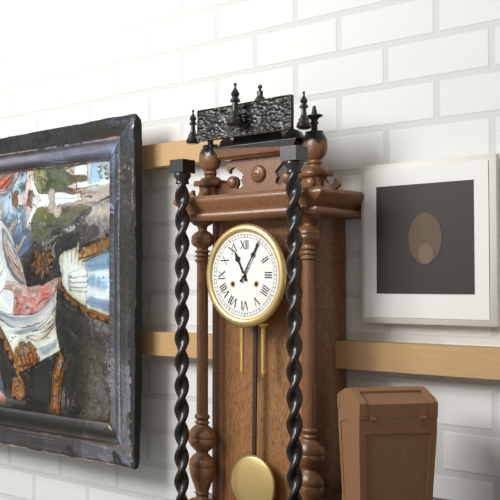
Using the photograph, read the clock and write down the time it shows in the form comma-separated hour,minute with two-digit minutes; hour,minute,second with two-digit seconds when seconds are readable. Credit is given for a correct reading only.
11,05
